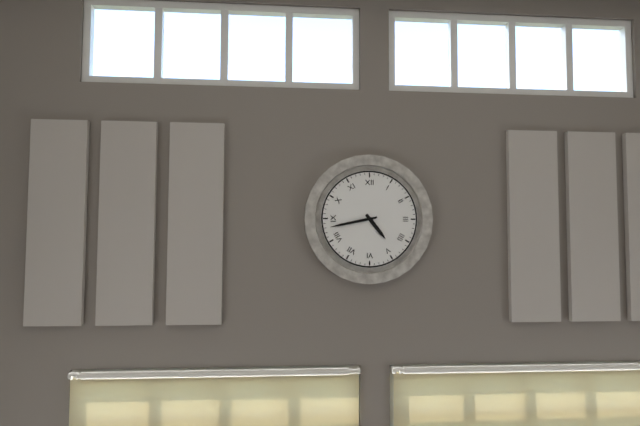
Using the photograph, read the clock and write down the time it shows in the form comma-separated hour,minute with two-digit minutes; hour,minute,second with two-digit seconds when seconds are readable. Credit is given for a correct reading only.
4,43
